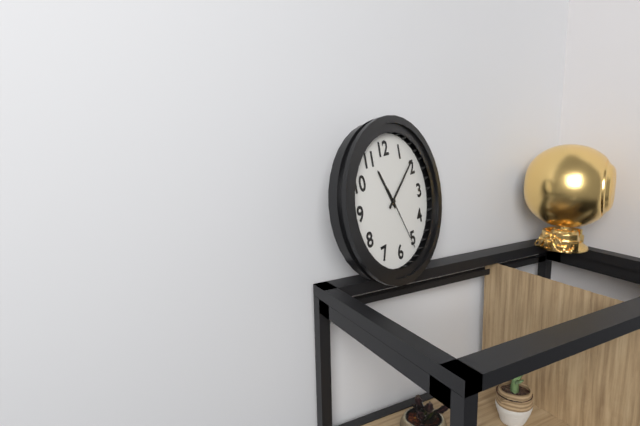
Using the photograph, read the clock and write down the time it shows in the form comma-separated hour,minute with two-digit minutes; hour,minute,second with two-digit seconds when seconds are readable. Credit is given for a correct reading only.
11,09,26
